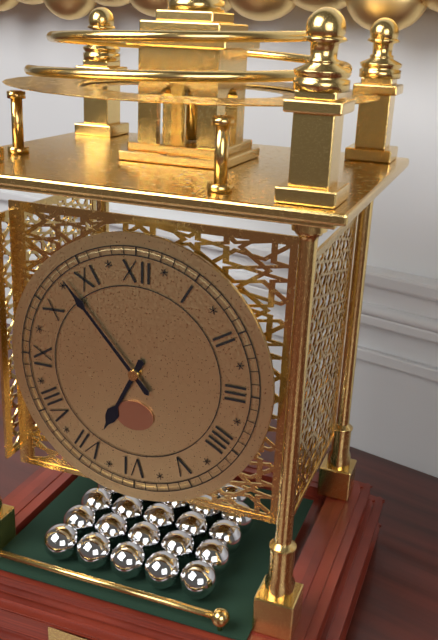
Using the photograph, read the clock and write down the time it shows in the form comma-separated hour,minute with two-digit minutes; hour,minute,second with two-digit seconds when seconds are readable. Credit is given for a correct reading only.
6,53
